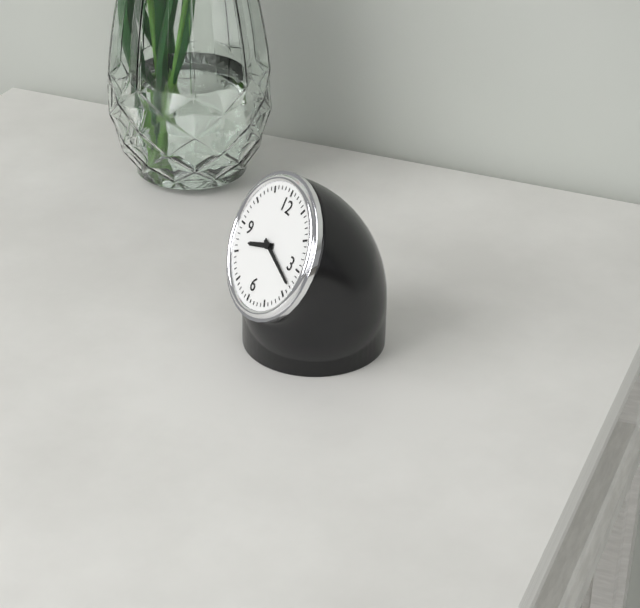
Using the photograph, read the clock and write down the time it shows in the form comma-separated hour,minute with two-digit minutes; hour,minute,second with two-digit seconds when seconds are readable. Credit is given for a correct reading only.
8,18
